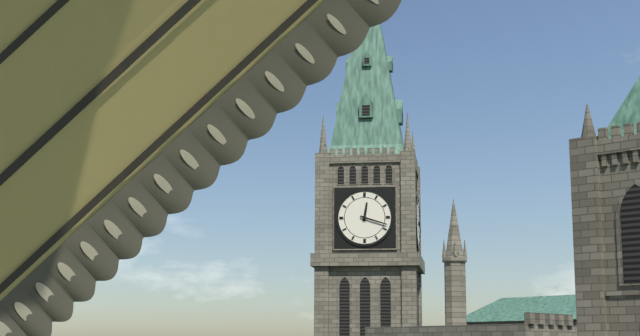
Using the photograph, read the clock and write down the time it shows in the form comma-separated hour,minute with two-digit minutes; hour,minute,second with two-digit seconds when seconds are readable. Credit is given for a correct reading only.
12,18
